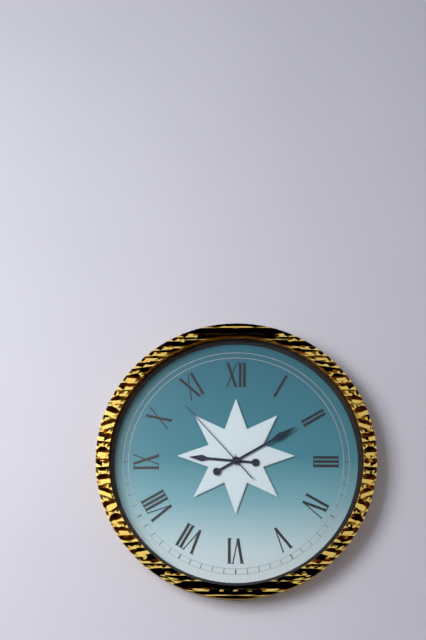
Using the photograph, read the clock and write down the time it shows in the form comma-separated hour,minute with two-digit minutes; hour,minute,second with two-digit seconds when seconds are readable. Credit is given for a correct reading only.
9,10,53
